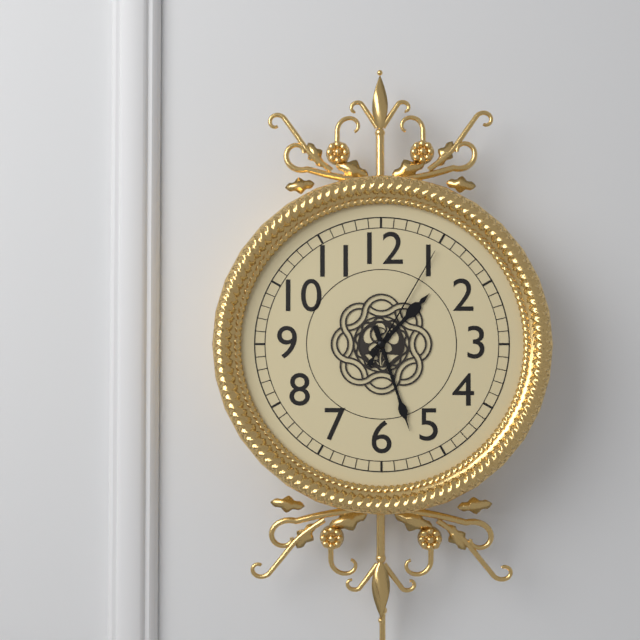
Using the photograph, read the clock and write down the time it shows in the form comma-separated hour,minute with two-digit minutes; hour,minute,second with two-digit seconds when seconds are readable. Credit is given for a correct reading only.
1,27,05
